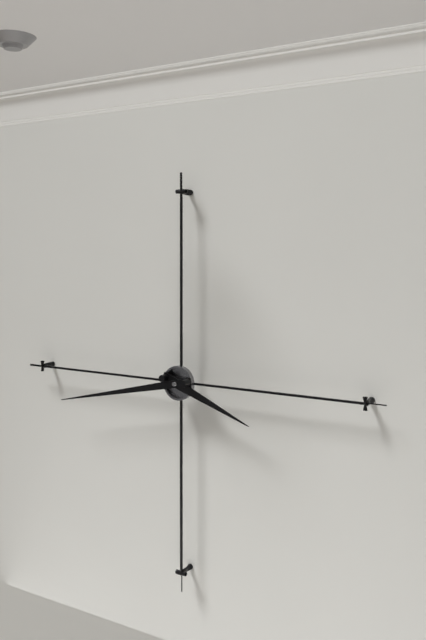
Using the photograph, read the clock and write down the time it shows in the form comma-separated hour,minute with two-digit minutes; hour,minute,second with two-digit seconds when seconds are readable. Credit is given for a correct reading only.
3,43
